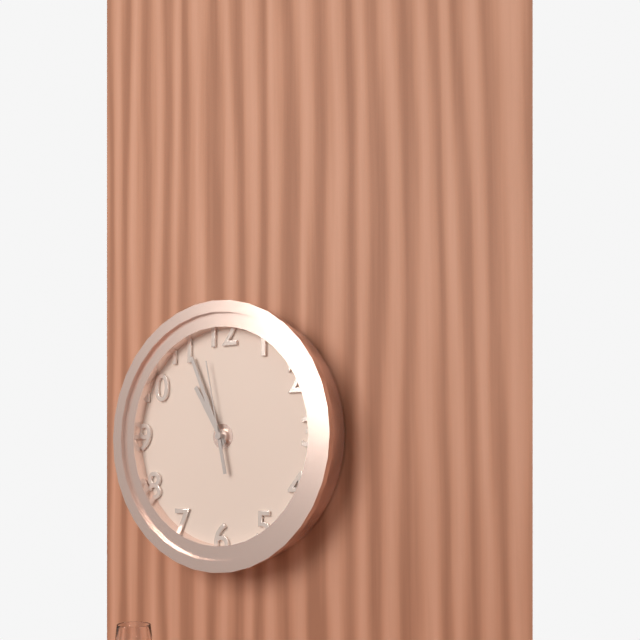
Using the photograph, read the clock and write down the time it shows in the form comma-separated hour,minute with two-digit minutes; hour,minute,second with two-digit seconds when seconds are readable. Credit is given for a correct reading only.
10,56,58
